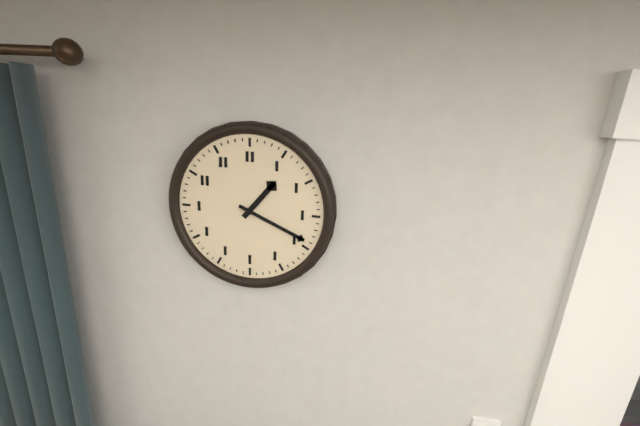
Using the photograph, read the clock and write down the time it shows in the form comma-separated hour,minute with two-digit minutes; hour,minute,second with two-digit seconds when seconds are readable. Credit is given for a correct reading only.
1,19
